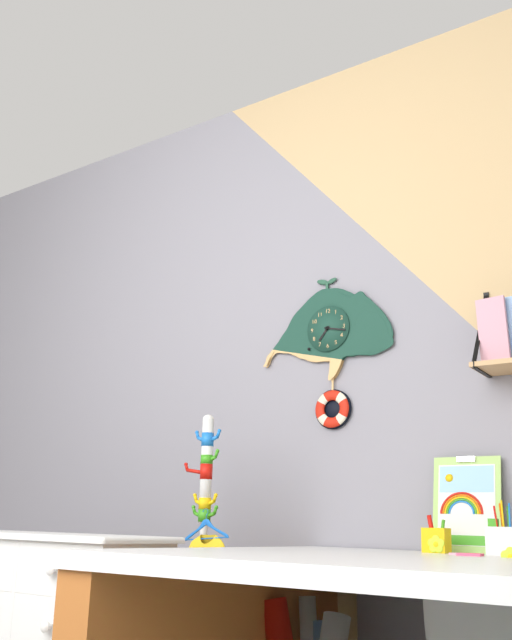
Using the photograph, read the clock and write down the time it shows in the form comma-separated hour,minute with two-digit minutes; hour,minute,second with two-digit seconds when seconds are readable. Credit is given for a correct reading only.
7,17
